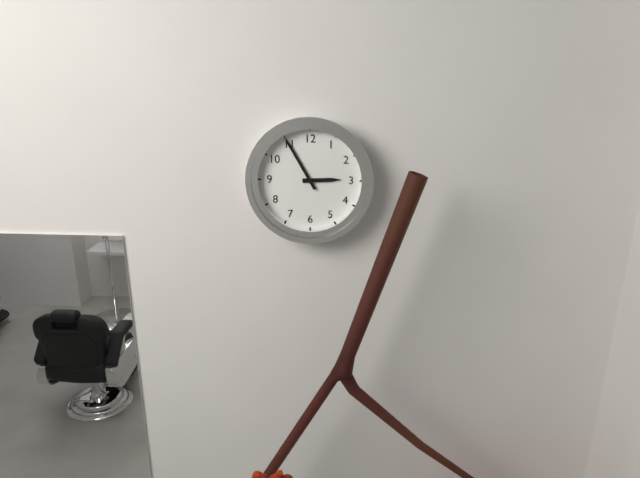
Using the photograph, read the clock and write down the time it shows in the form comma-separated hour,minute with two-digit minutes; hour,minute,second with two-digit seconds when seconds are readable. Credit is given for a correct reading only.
2,55
